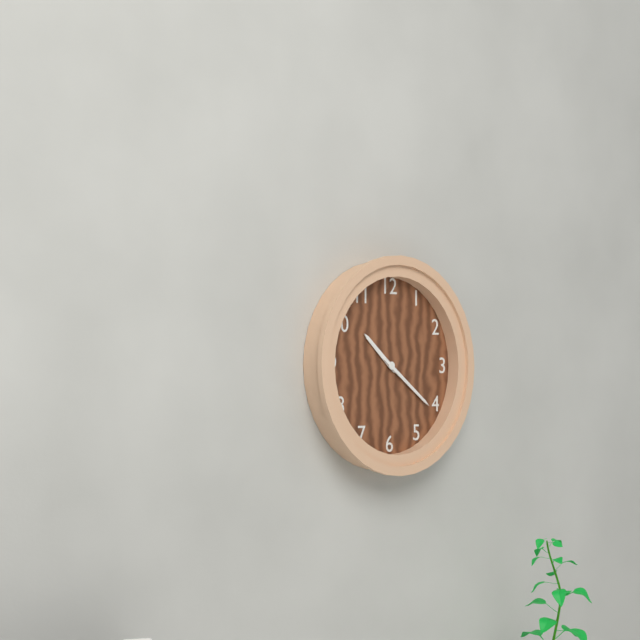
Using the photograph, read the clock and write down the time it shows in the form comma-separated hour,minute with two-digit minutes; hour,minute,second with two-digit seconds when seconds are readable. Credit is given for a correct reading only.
10,21
